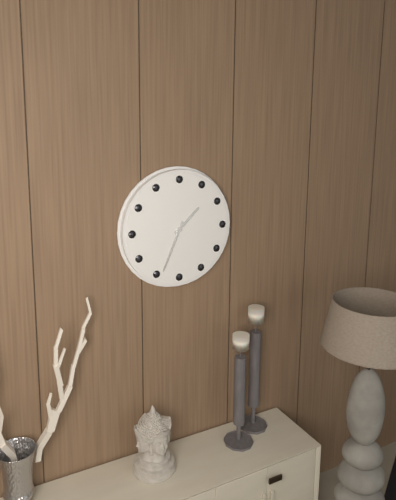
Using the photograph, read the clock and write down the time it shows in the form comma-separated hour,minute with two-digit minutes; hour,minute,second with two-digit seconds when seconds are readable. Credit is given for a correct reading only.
1,34
